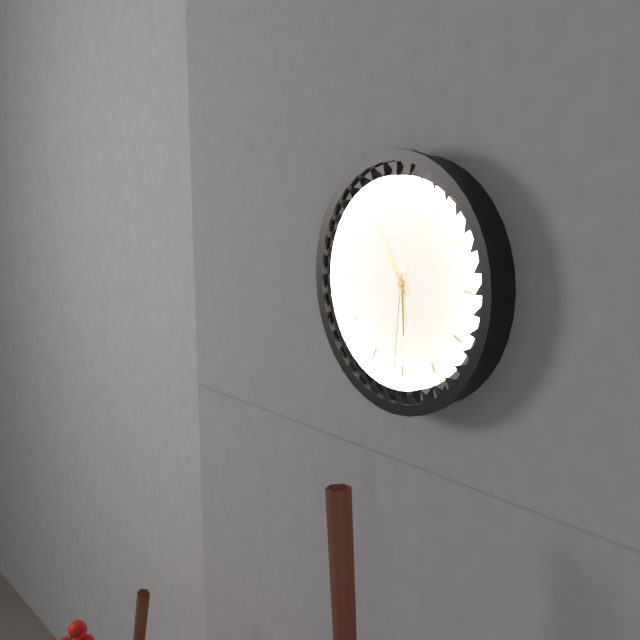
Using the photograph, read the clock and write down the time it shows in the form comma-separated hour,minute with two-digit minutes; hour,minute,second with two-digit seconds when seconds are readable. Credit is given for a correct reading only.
5,54,31
